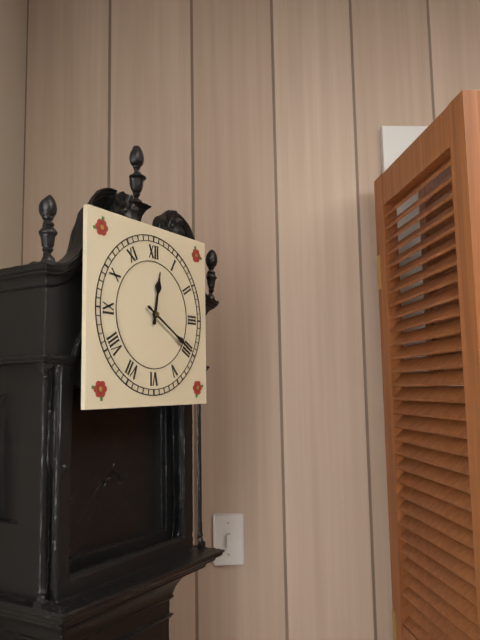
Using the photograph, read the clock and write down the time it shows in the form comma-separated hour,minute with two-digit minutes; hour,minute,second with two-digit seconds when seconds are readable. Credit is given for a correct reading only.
12,20
